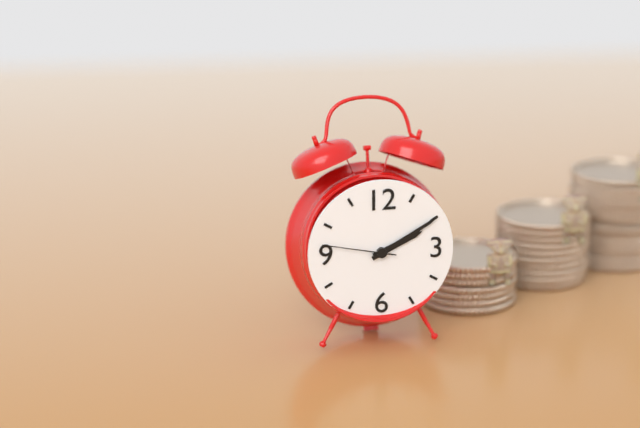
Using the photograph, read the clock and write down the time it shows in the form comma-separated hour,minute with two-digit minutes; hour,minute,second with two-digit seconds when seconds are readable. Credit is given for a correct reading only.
2,10,47
